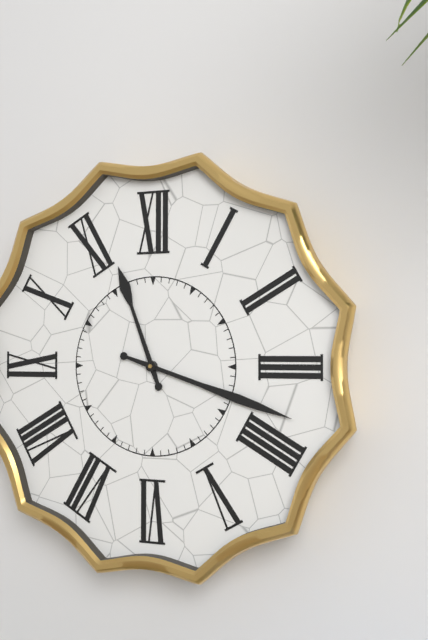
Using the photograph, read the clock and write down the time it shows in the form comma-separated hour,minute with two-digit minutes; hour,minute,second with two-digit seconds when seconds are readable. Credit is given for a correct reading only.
11,18
